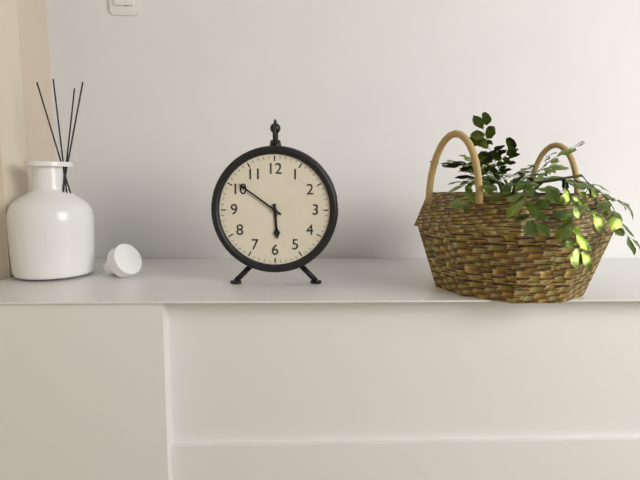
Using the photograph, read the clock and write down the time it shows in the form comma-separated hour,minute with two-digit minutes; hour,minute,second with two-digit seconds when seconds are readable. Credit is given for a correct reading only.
5,51
